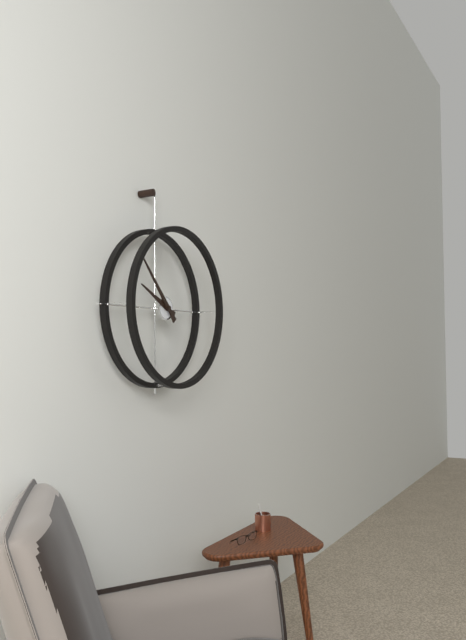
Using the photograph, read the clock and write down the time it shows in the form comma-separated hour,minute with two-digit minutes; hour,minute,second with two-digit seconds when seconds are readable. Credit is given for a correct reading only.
9,53
